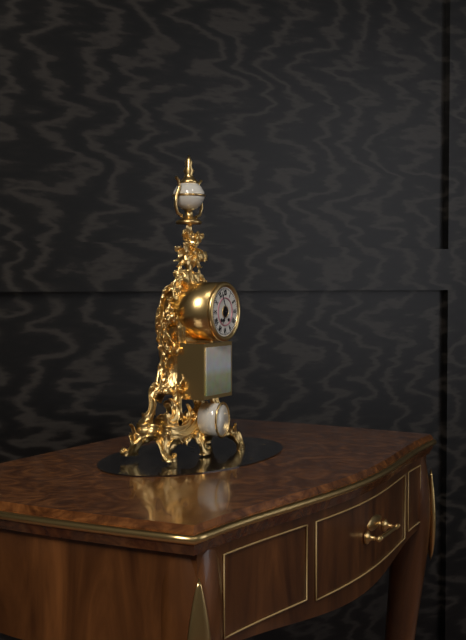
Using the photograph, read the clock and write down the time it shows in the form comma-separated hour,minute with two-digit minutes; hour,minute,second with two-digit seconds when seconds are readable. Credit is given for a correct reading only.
6,56
